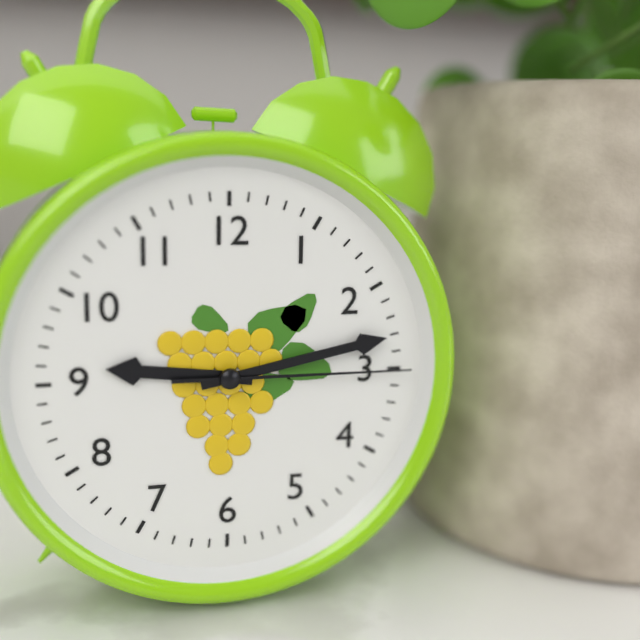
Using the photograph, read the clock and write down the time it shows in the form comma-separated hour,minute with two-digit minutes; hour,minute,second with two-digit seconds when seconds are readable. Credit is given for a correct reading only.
9,13,15
